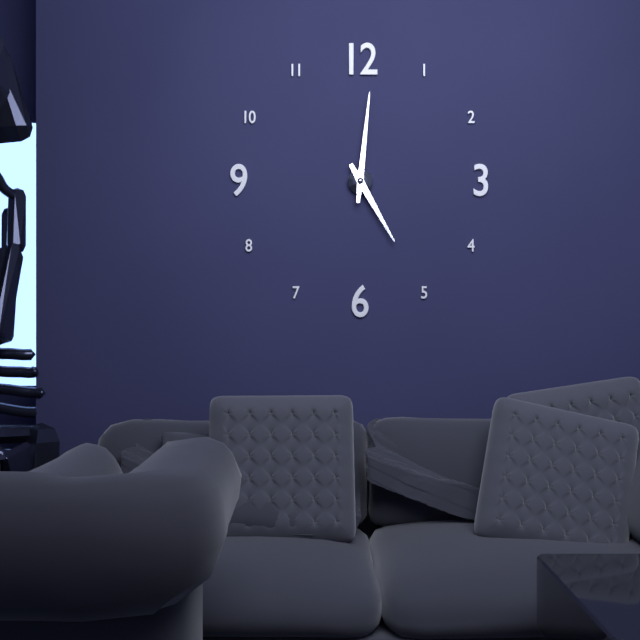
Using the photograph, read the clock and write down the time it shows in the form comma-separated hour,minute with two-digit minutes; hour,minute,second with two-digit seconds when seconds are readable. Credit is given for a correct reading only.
5,01
